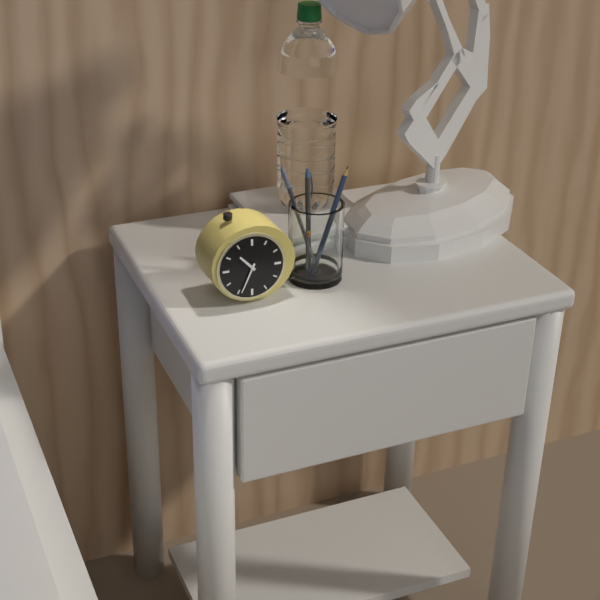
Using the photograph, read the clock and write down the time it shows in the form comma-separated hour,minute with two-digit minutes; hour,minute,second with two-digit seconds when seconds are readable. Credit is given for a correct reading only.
10,34
